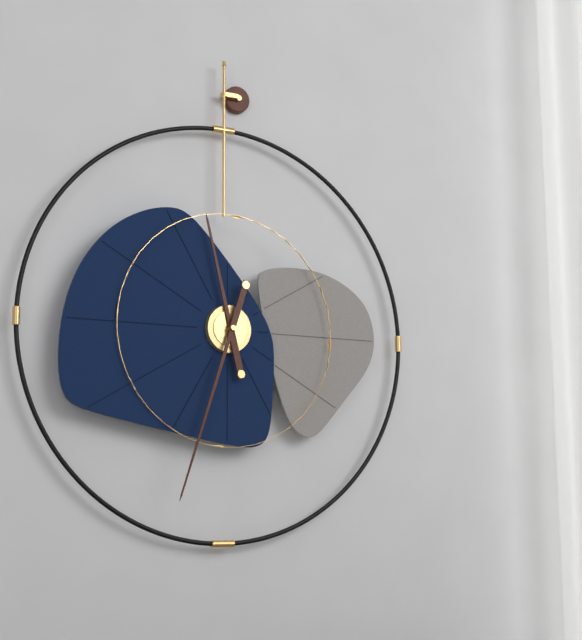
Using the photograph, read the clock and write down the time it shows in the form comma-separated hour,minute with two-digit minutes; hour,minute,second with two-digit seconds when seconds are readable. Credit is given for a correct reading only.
11,33
